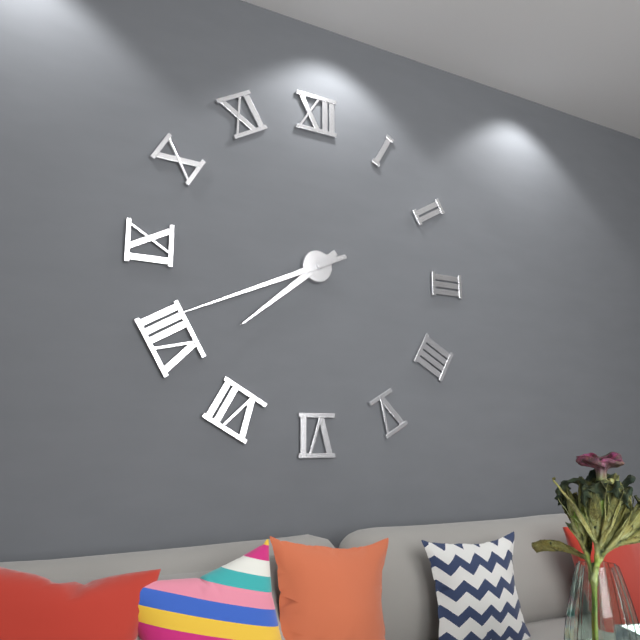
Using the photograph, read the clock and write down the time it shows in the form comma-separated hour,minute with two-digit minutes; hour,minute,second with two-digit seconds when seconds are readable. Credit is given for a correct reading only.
7,41
